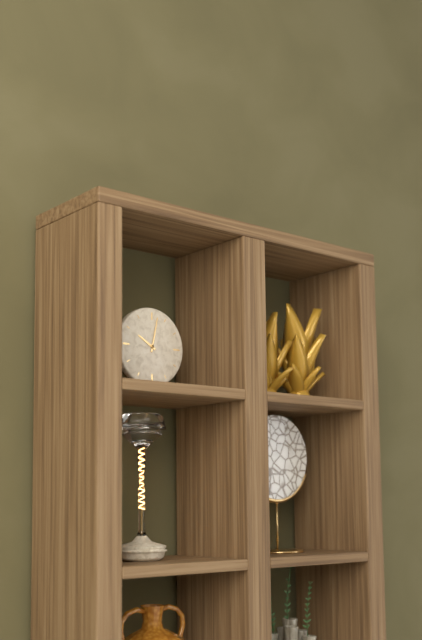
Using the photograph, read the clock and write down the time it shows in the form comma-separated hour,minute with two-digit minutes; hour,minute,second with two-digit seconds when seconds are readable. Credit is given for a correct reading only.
10,02
